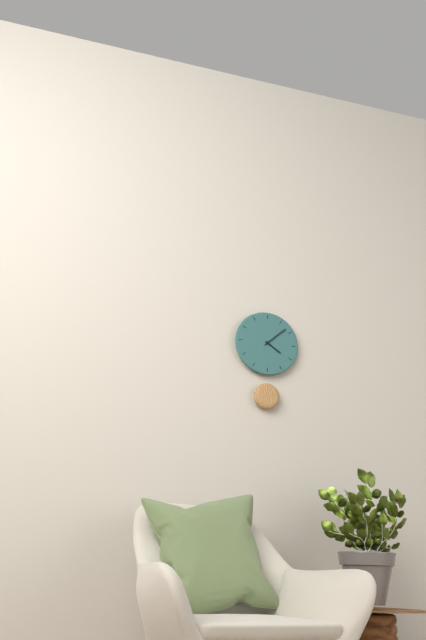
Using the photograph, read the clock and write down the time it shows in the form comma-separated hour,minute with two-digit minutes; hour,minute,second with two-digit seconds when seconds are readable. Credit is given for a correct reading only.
4,08
